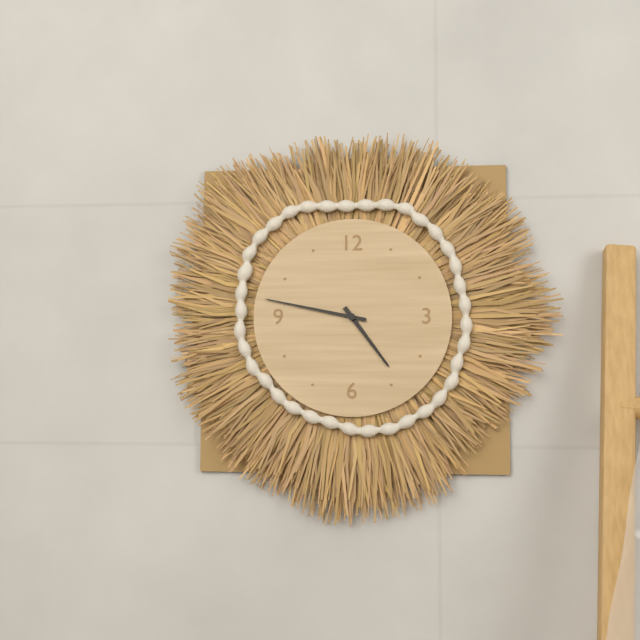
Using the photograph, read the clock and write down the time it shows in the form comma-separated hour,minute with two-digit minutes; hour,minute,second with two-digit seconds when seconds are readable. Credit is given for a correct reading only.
4,47
